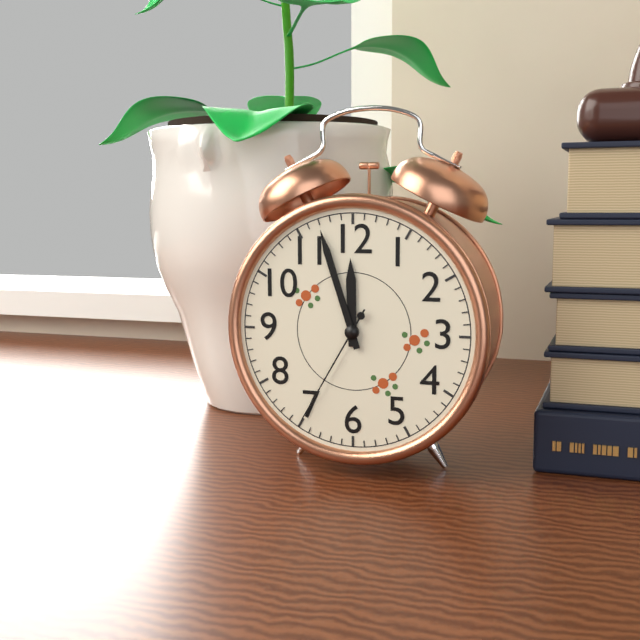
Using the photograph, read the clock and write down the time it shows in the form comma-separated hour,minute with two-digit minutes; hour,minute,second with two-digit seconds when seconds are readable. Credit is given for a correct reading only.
11,57,35
